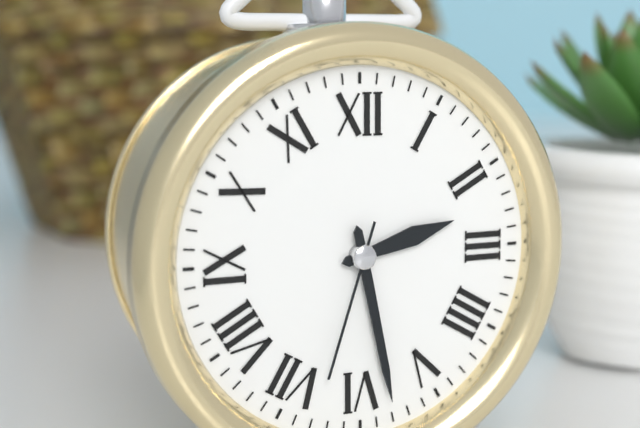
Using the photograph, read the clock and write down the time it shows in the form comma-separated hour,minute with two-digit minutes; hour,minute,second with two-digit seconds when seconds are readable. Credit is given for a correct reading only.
2,28,33
